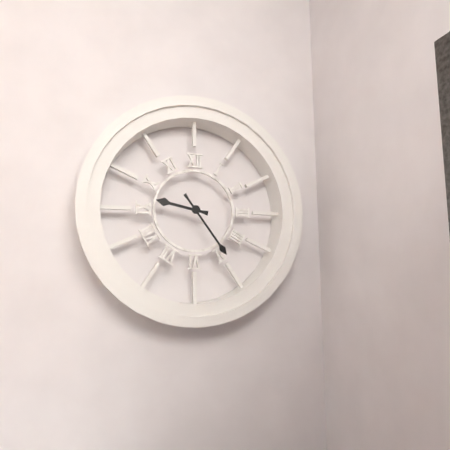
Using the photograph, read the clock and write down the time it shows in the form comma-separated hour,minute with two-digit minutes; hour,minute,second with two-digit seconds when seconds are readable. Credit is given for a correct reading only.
9,24
